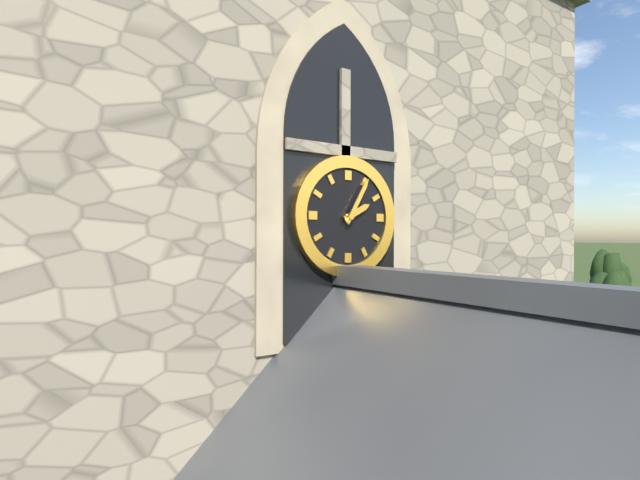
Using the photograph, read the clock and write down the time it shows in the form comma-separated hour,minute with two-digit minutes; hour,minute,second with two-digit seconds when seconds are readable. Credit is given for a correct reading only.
2,05
